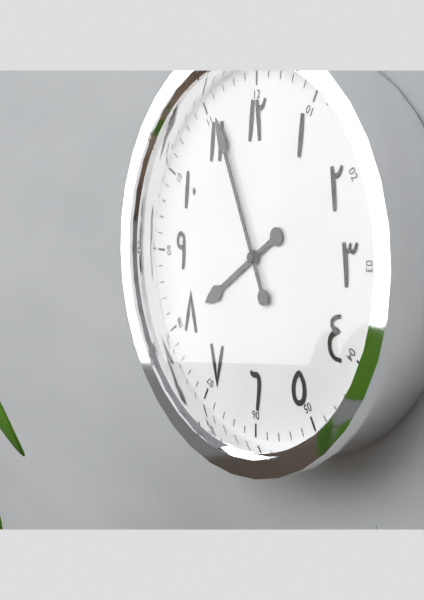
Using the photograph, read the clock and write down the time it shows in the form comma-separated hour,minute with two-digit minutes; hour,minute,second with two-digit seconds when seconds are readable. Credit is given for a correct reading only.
7,56
